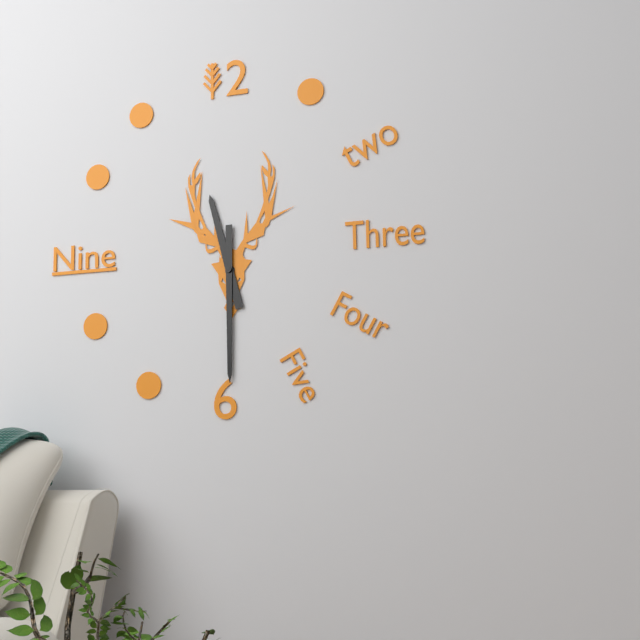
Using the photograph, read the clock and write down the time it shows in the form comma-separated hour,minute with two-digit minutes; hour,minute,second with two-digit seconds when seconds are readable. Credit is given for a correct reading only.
11,30
